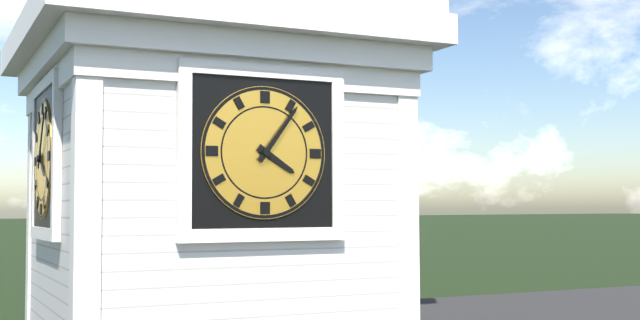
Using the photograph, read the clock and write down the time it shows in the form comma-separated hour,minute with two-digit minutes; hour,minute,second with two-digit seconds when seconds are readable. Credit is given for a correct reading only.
4,06
